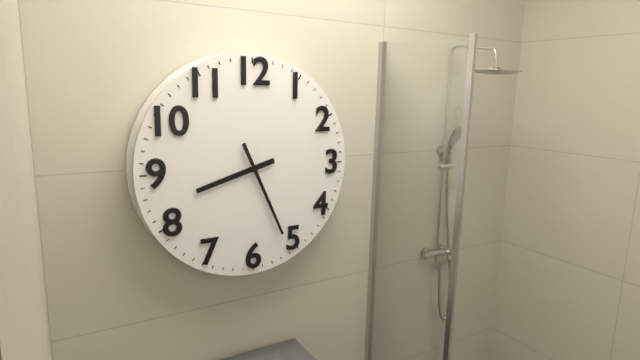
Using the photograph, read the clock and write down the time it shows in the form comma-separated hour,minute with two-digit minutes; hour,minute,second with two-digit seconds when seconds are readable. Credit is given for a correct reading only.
8,26
